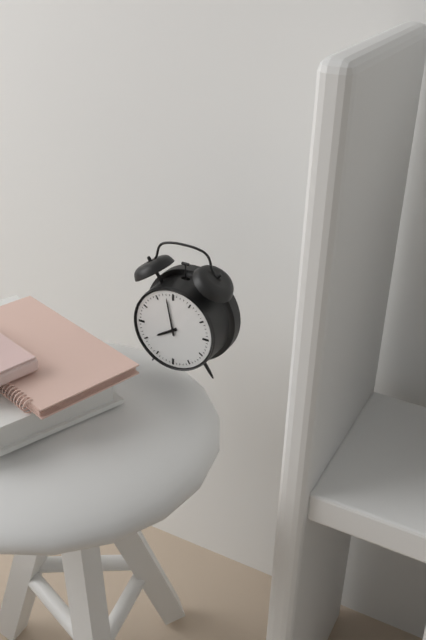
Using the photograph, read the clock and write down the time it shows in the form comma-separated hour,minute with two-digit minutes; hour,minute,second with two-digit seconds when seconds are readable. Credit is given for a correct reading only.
7,58
